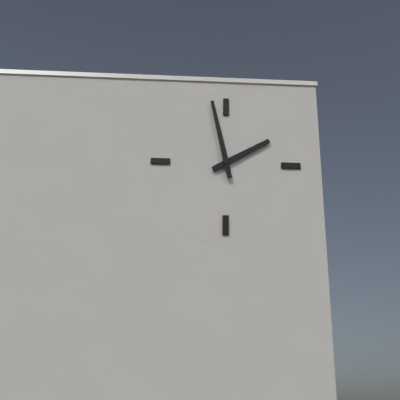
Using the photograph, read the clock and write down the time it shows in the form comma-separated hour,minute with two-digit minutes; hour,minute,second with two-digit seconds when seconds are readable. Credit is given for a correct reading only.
1,58
